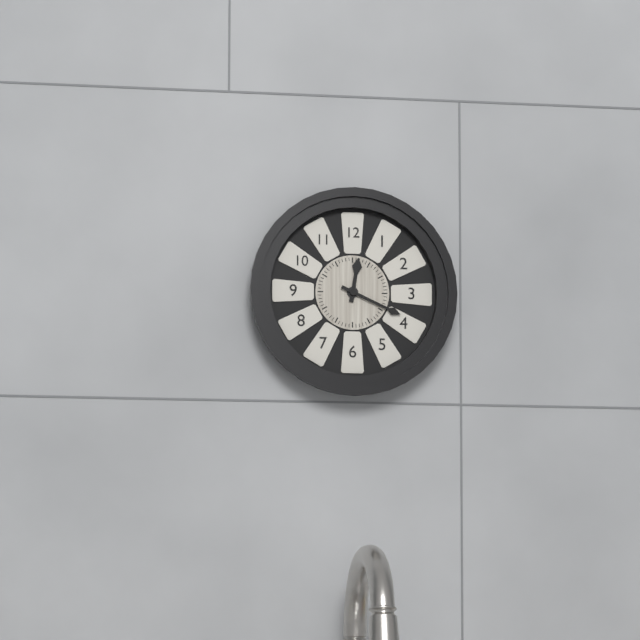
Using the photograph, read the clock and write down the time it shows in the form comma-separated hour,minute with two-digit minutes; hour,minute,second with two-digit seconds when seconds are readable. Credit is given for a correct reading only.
12,19
